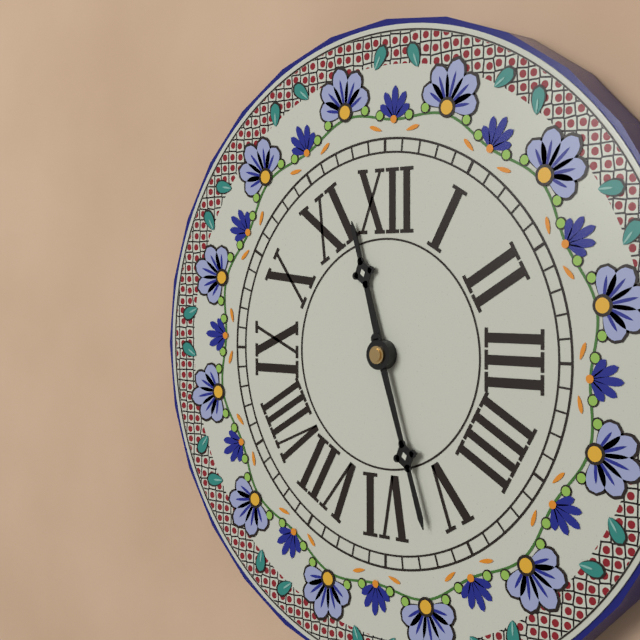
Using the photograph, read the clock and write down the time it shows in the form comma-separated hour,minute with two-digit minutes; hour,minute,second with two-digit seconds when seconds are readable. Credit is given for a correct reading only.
11,27
